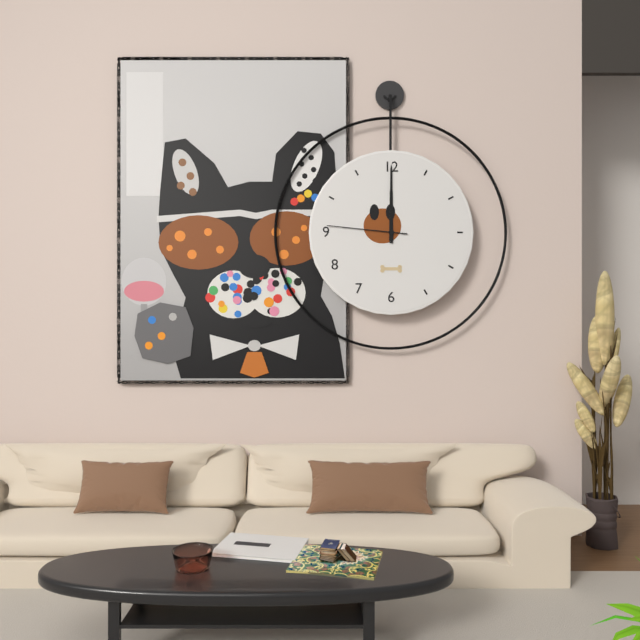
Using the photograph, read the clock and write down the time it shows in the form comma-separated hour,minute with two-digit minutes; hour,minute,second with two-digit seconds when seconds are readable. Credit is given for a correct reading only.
12,00,46
